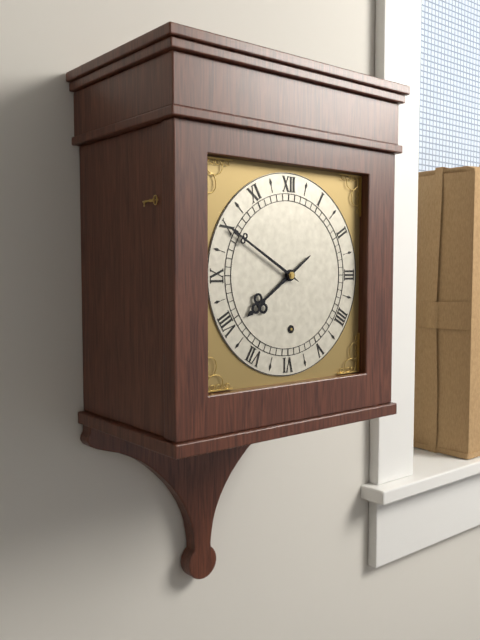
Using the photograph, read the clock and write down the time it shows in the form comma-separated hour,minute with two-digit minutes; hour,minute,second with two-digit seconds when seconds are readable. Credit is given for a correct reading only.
7,50
